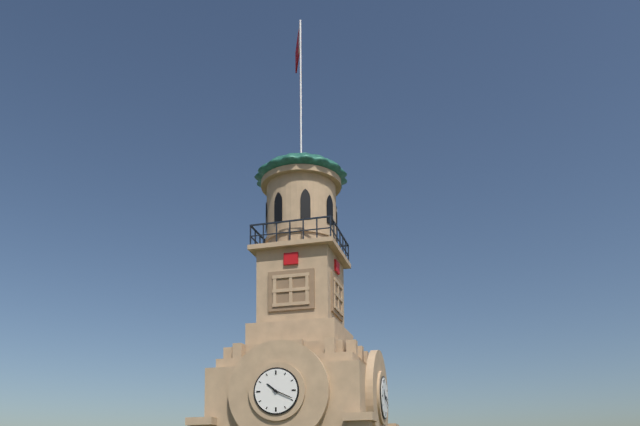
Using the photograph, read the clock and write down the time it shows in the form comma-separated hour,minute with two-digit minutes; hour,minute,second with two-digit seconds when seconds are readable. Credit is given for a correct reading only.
10,19
